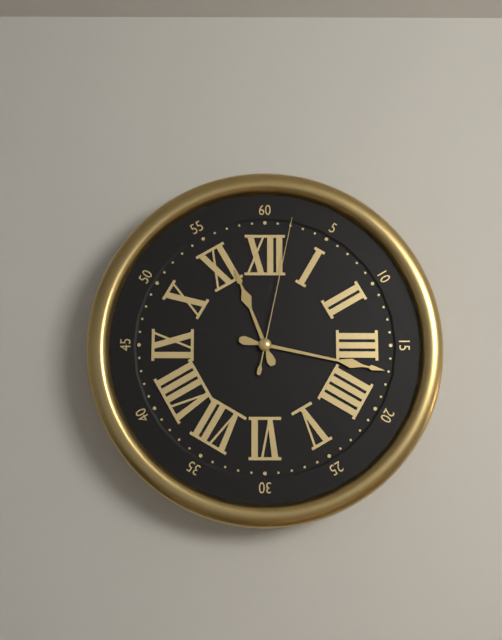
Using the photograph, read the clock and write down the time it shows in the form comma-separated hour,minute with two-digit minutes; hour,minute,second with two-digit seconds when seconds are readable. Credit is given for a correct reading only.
11,17,02
